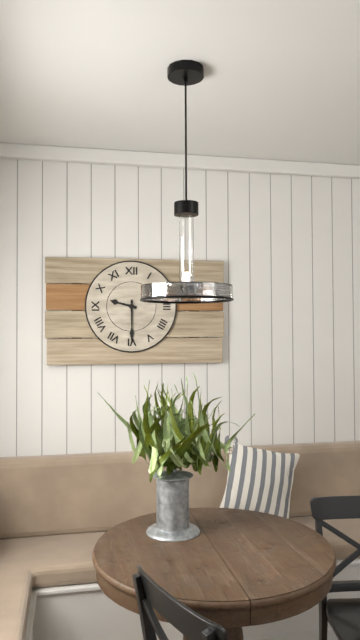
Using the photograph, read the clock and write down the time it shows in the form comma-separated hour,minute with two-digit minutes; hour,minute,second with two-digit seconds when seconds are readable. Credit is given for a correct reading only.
9,30
